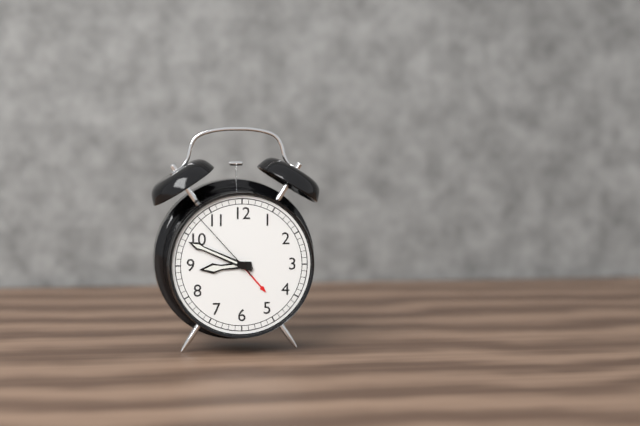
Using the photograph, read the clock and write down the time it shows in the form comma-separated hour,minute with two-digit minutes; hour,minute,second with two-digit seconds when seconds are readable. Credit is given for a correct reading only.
8,49,53
